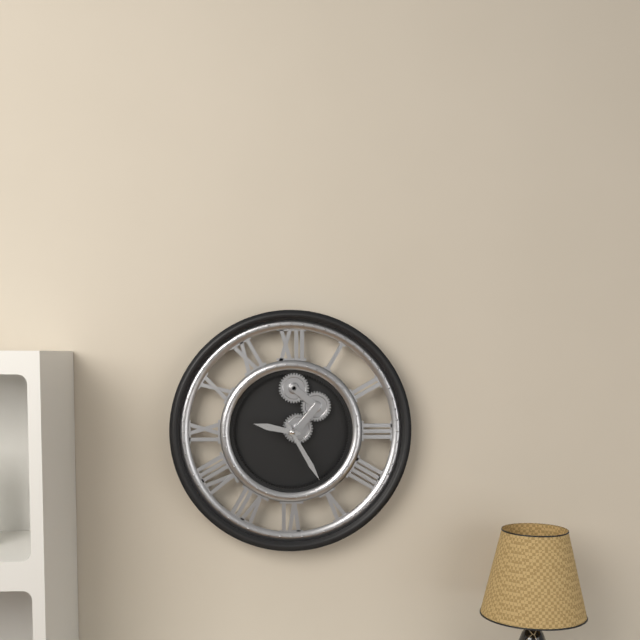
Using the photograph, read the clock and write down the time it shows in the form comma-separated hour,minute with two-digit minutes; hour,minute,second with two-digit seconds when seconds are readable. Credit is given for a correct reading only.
9,25
